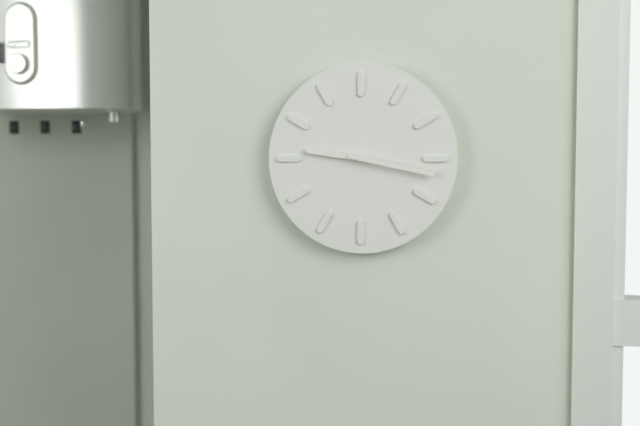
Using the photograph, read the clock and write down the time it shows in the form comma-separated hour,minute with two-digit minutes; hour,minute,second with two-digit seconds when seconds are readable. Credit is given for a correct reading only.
9,17
